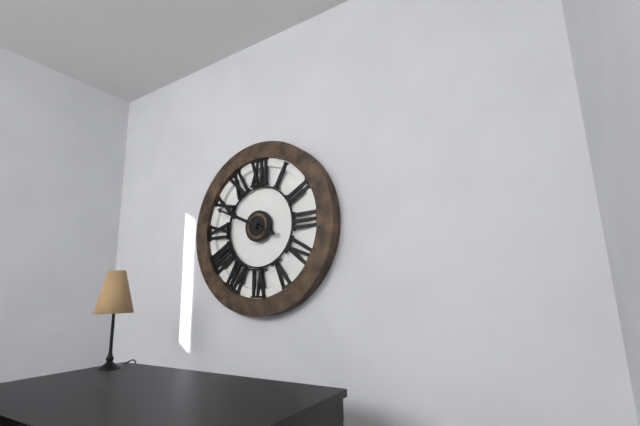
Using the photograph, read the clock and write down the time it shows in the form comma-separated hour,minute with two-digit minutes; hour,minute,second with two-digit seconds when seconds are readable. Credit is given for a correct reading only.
9,49
